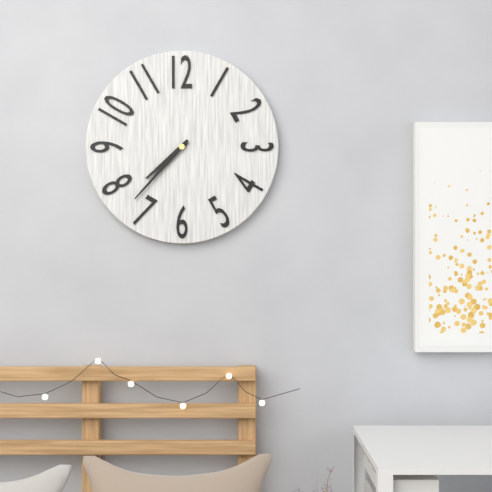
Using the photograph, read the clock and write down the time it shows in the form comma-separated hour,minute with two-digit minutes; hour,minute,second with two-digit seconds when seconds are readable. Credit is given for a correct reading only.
7,37
